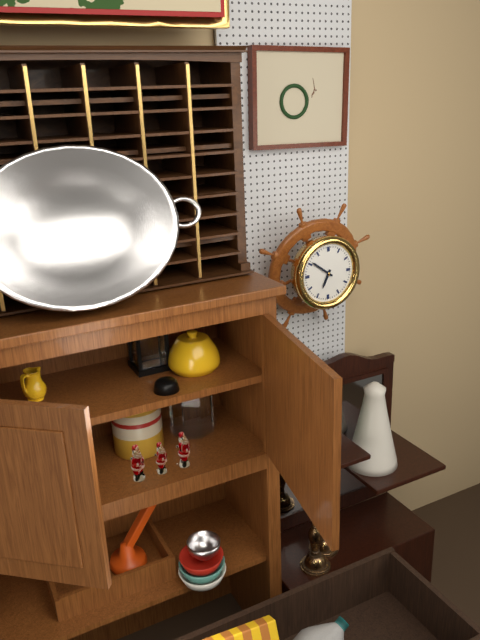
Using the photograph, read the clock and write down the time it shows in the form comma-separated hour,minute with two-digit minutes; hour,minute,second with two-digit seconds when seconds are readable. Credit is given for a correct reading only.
6,51
